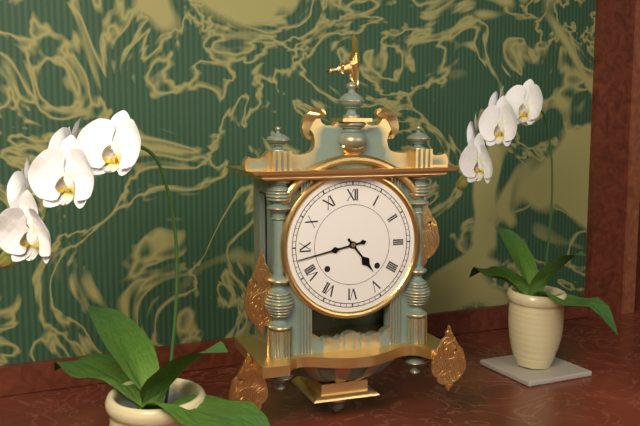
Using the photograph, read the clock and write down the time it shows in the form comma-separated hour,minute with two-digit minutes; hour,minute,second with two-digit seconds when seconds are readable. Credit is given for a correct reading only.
4,43
